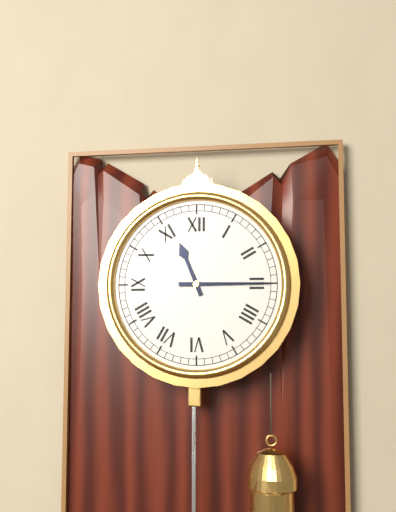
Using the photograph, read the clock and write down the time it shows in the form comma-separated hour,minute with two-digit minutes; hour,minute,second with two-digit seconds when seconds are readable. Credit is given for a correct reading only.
11,15
